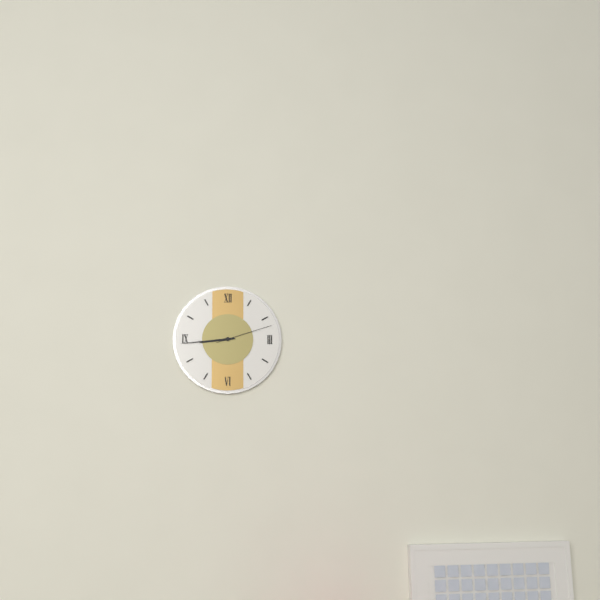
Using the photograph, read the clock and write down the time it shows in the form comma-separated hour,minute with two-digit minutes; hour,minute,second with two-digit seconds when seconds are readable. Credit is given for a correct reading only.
8,44,12
